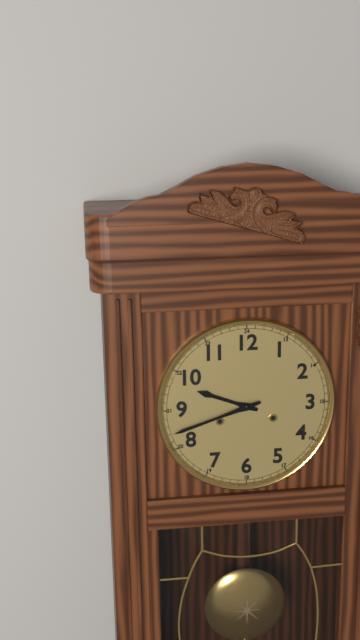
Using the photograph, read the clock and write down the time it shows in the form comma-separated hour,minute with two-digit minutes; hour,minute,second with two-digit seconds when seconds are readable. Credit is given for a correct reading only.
9,42
